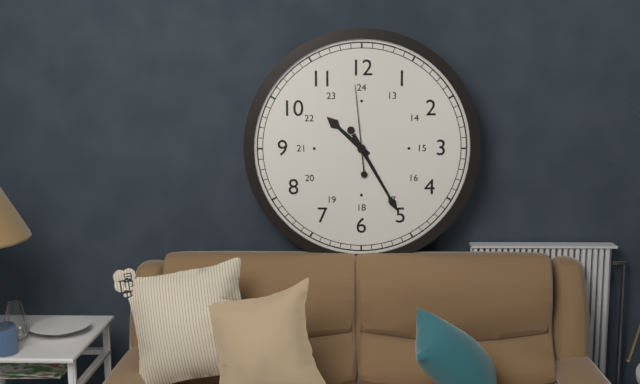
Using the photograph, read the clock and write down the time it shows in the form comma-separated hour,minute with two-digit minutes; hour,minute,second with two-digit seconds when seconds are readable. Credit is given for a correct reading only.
10,25,59
